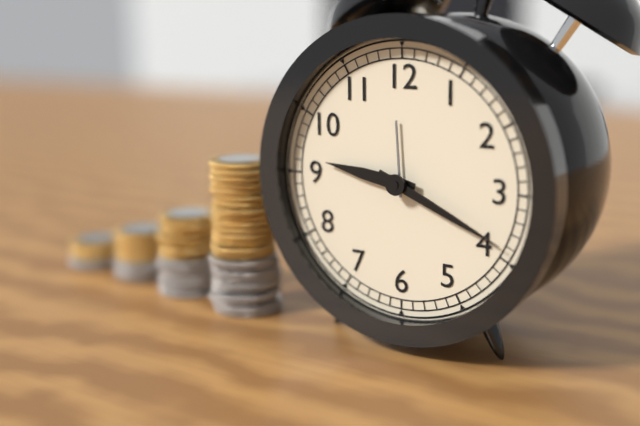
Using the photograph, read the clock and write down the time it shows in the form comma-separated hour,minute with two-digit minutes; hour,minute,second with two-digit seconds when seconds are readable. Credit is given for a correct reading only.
9,19
